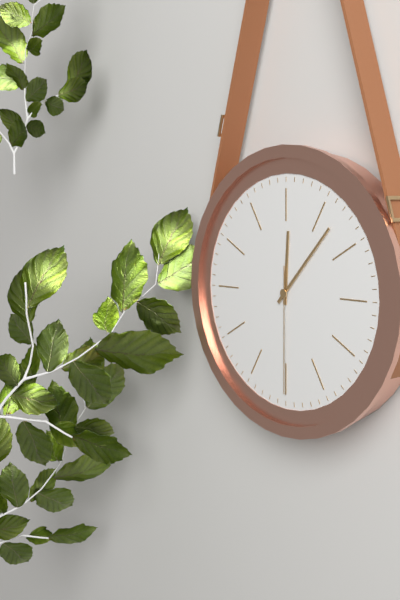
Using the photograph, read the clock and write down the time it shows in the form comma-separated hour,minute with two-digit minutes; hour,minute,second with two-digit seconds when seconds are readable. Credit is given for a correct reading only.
12,07,30
